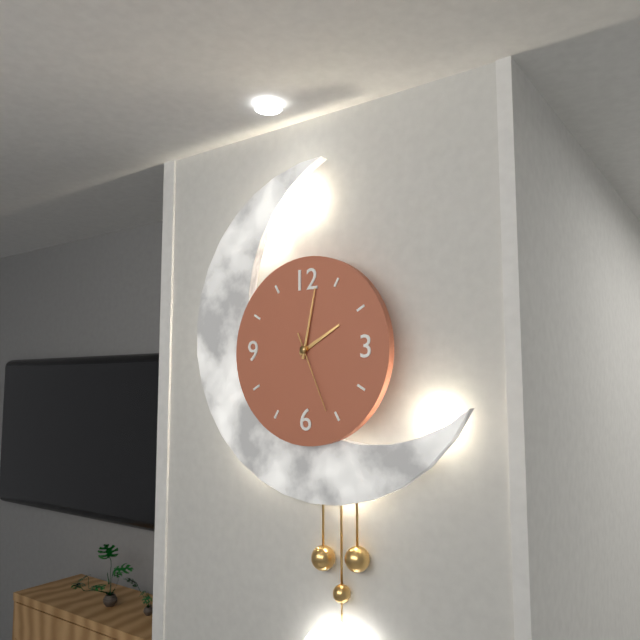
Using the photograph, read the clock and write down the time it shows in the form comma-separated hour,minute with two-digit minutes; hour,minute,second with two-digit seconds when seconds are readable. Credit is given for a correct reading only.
2,02,26
